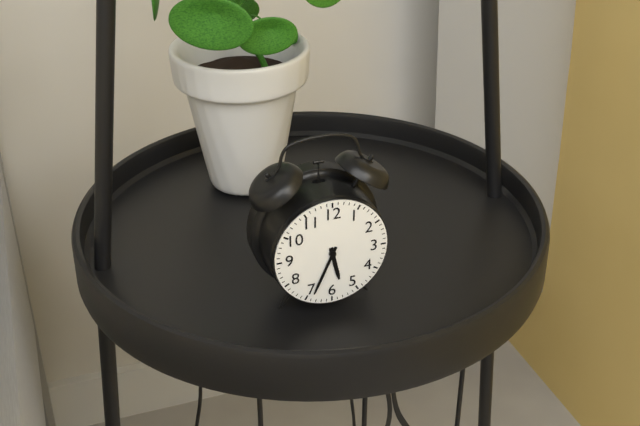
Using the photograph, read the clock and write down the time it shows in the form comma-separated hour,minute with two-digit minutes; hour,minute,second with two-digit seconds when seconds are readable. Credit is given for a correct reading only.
5,34
